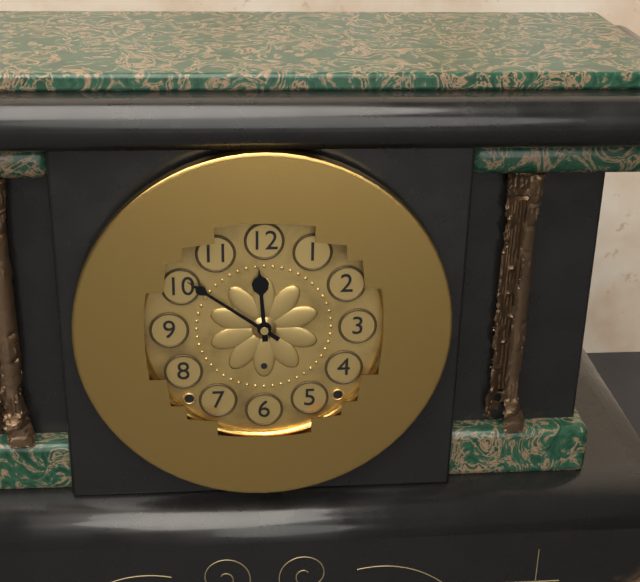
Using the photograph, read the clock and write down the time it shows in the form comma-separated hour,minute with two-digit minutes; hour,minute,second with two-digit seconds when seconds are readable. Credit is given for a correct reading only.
11,51
